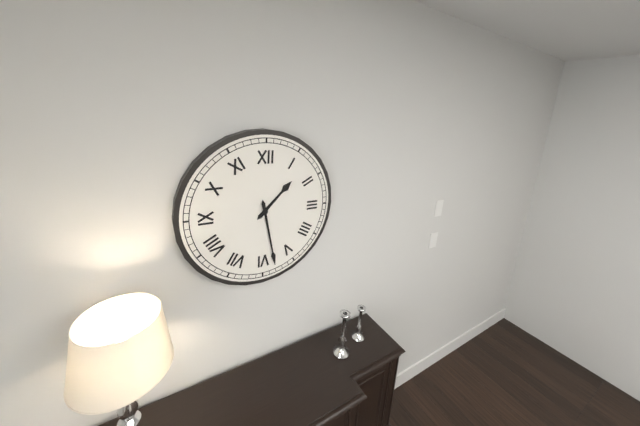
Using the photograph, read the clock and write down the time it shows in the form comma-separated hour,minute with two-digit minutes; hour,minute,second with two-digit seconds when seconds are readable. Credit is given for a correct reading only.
1,28
